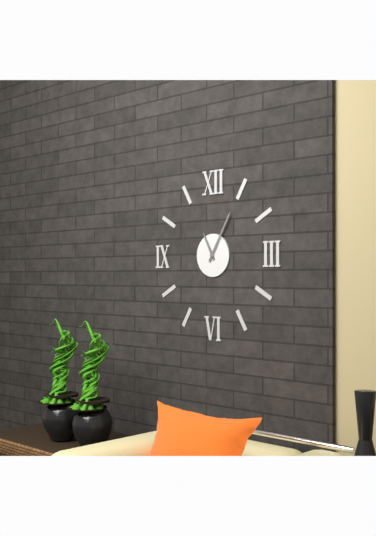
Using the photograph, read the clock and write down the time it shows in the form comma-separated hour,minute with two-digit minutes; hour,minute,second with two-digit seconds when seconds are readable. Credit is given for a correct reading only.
11,05
